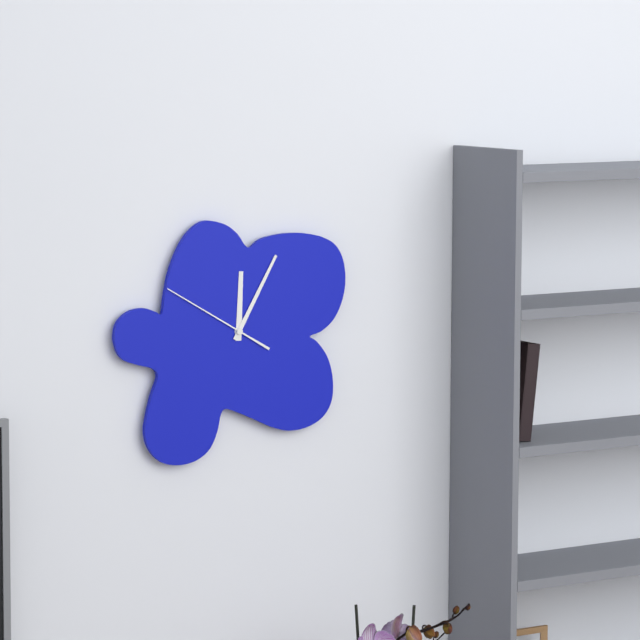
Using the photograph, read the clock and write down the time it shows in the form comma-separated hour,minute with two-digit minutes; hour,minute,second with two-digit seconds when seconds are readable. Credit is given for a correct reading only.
12,05,50
